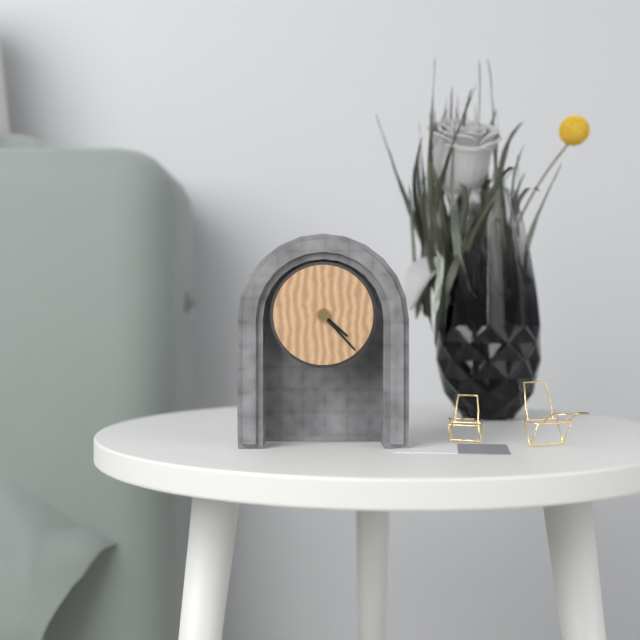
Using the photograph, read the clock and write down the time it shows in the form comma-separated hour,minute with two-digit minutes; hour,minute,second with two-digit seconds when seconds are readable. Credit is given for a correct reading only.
4,23
